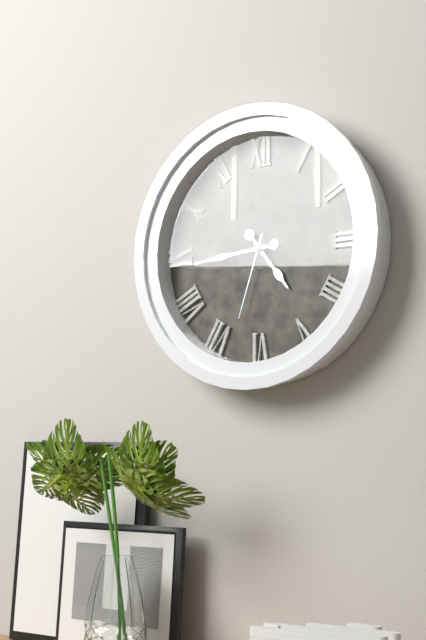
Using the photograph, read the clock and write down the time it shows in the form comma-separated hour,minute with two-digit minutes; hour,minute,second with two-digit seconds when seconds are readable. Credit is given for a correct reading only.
4,44,33
